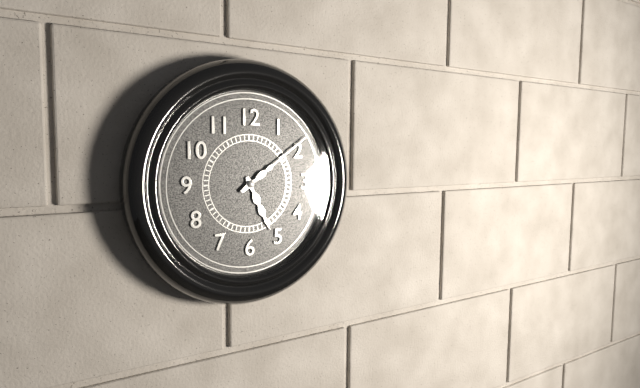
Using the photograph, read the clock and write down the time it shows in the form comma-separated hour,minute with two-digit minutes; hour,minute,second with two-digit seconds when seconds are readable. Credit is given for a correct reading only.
5,09
